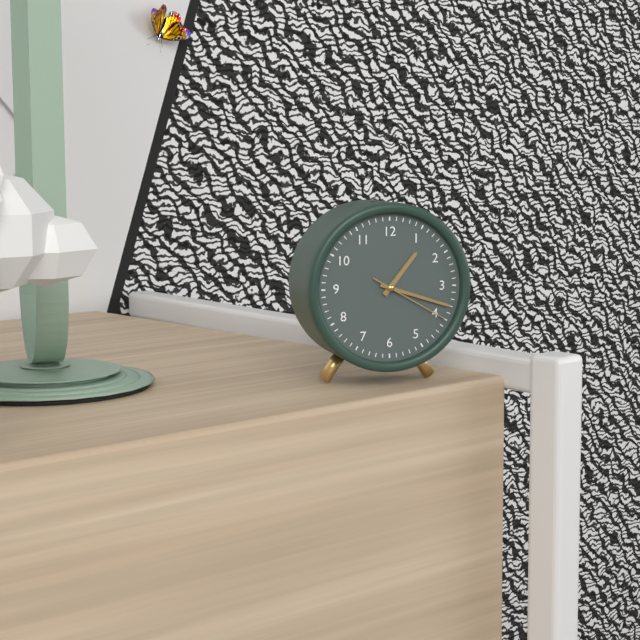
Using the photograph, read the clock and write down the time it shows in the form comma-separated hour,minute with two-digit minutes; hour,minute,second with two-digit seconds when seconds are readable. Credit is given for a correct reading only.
1,18,20
